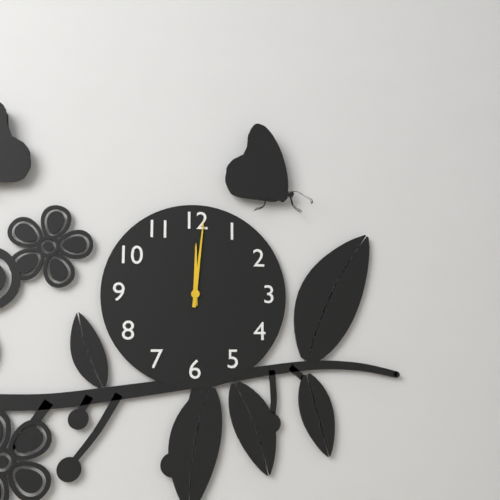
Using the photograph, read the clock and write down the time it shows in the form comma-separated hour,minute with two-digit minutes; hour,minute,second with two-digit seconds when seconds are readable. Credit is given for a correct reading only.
12,01
